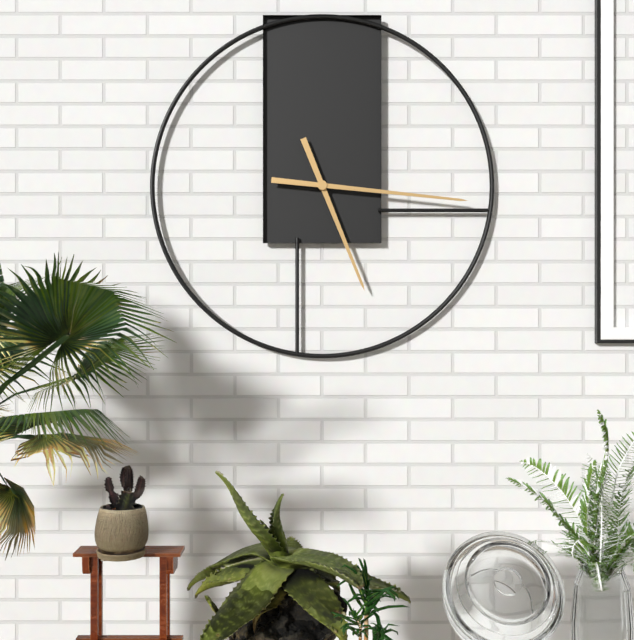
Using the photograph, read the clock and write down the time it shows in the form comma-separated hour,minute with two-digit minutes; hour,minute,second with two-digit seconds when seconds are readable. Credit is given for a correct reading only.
5,16
